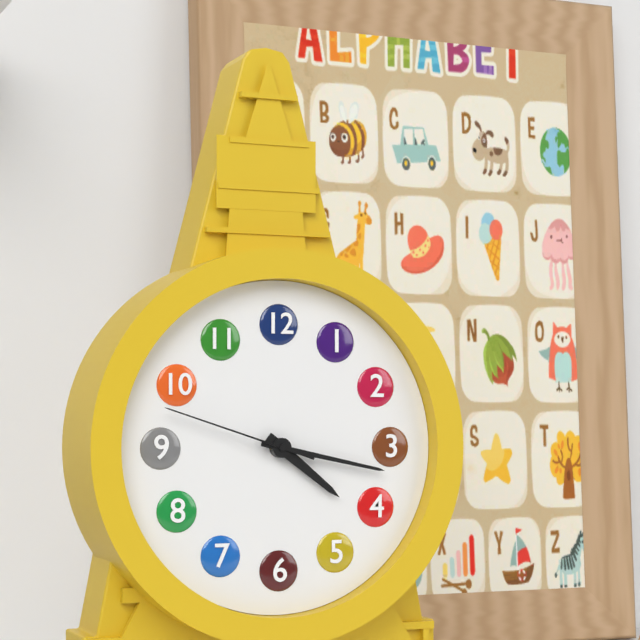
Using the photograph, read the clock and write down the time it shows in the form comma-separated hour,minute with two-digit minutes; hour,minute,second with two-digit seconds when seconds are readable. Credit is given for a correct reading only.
4,17,48
